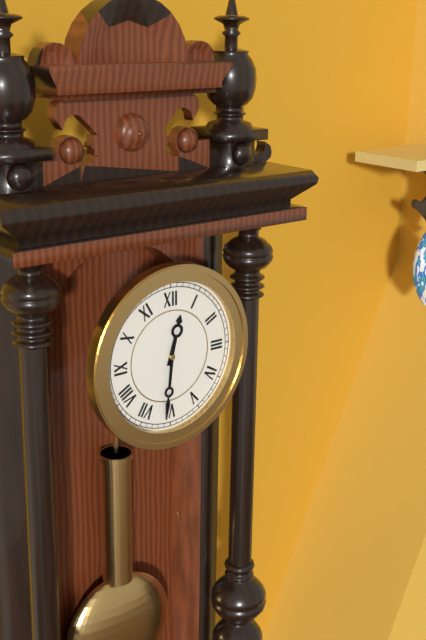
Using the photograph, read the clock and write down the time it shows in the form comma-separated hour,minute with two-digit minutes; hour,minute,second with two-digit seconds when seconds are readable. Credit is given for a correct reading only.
12,31
